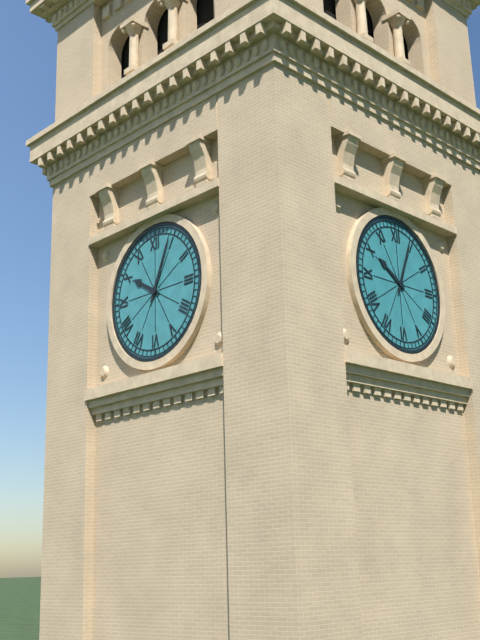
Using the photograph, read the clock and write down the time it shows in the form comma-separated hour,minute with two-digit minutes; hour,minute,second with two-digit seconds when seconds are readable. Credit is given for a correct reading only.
10,04
